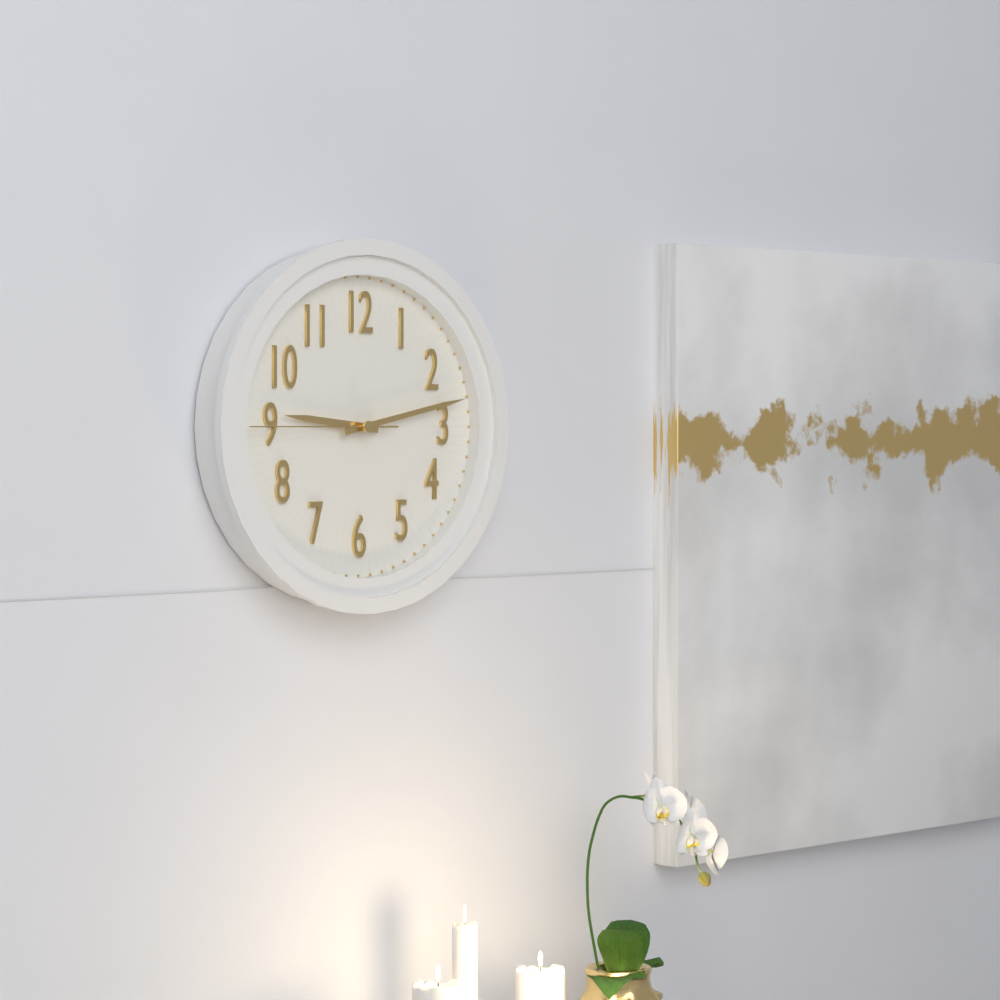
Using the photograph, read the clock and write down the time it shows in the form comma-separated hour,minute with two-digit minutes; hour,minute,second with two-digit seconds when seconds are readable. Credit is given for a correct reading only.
9,13,45
